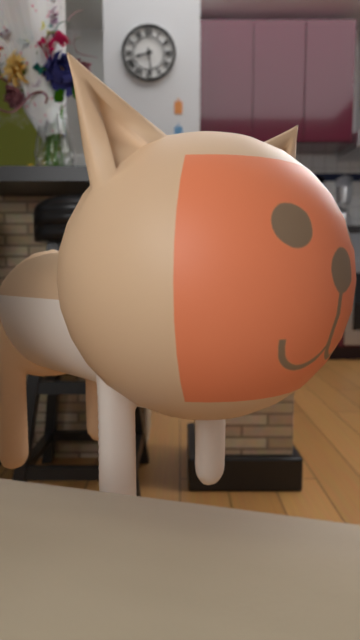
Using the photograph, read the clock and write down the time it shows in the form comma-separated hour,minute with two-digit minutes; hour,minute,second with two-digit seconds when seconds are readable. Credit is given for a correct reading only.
8,29
